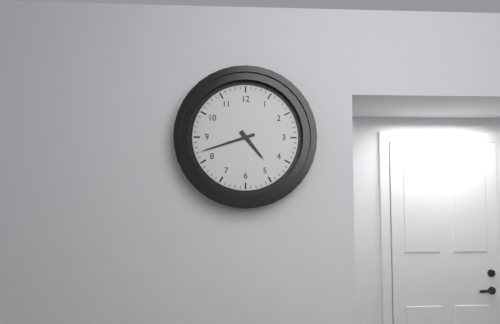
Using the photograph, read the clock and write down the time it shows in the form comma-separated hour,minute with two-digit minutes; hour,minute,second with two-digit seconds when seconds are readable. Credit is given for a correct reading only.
4,42
